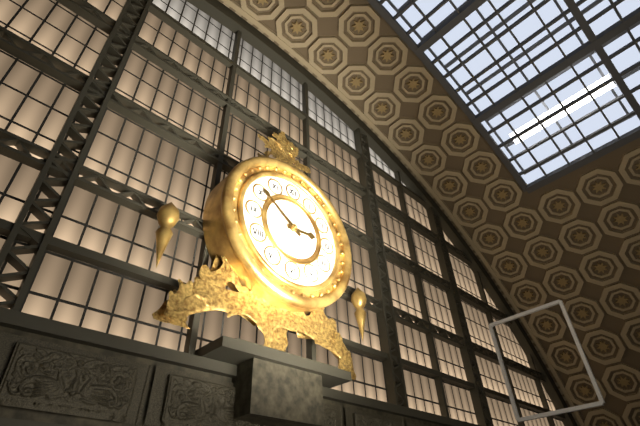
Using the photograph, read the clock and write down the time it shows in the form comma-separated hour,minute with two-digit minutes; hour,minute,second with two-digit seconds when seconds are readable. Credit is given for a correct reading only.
2,51
